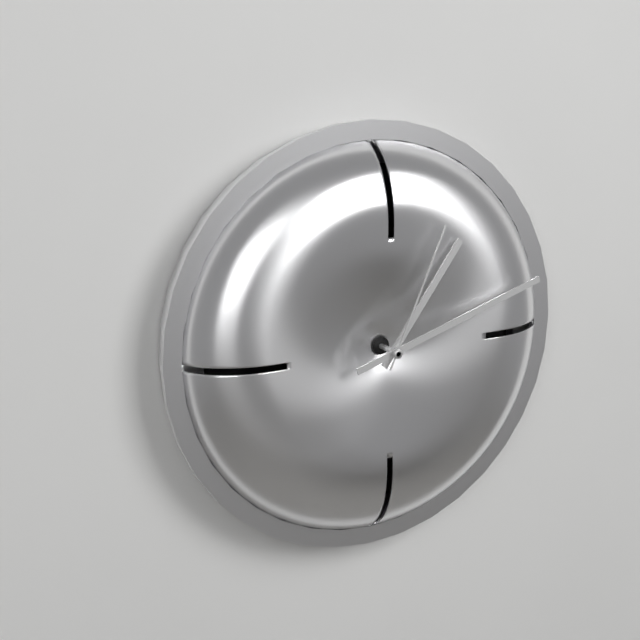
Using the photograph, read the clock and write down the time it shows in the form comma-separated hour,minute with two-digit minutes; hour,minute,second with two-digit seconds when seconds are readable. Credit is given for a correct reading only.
1,12,04
